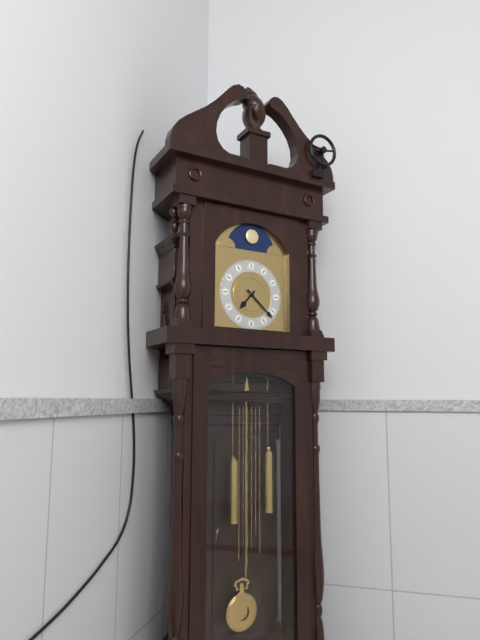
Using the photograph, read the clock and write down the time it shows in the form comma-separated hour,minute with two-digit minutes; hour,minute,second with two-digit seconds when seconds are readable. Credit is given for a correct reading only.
7,22
